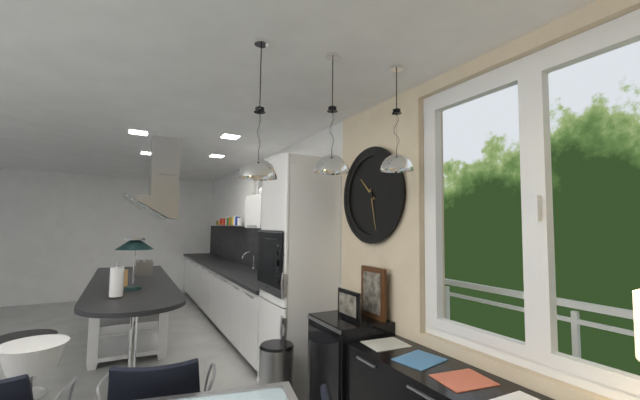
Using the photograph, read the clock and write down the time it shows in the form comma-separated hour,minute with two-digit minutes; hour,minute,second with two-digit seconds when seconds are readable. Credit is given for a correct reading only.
10,28
